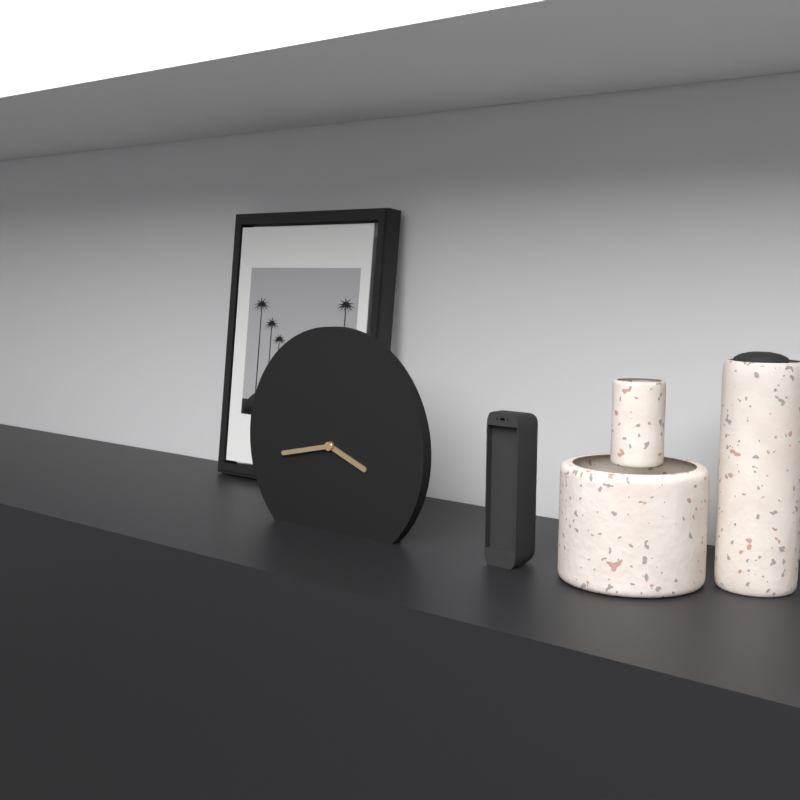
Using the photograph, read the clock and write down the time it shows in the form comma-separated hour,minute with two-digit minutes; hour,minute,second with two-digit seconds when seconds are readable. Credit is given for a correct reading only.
3,43
